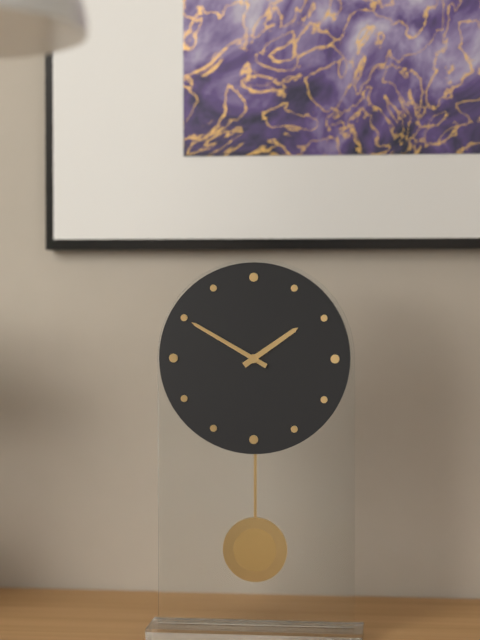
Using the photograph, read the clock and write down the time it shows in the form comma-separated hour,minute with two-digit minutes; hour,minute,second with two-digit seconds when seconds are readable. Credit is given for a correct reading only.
1,50
